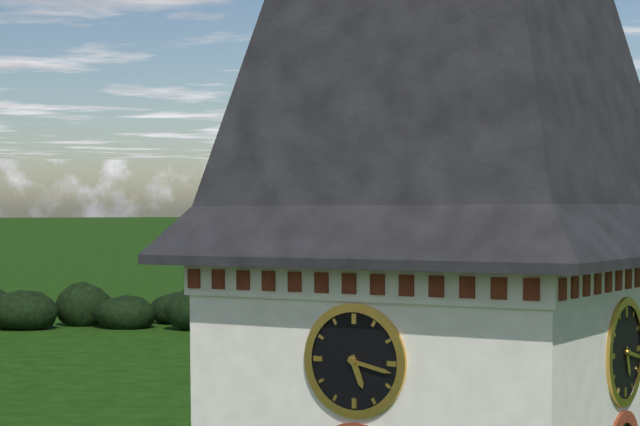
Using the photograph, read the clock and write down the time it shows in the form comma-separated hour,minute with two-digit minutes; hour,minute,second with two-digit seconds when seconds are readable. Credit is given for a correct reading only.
5,17
